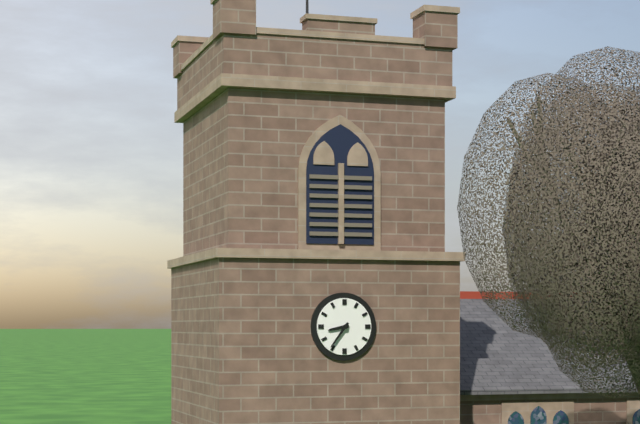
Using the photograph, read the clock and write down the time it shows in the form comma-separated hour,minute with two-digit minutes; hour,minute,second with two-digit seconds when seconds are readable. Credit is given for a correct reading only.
8,36
